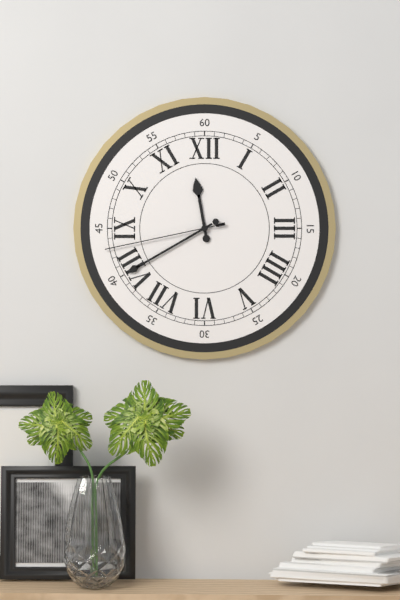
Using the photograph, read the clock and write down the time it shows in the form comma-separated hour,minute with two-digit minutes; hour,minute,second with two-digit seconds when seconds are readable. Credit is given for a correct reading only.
11,40,43
